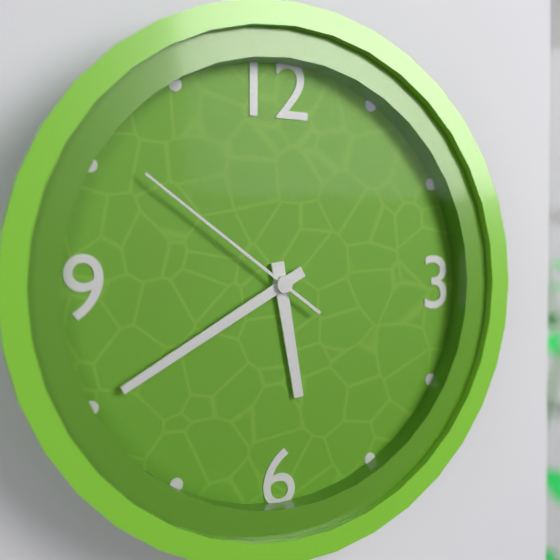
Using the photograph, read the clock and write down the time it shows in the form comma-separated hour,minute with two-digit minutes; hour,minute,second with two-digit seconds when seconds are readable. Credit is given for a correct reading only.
5,40,51
